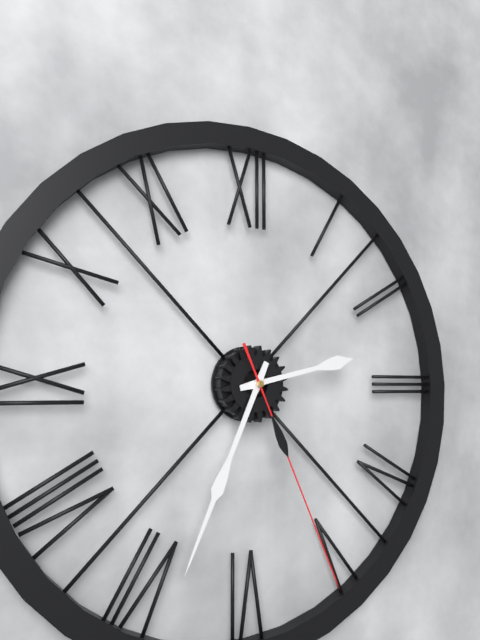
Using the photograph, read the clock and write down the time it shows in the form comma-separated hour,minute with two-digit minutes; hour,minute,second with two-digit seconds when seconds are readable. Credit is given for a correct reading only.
2,34,26
